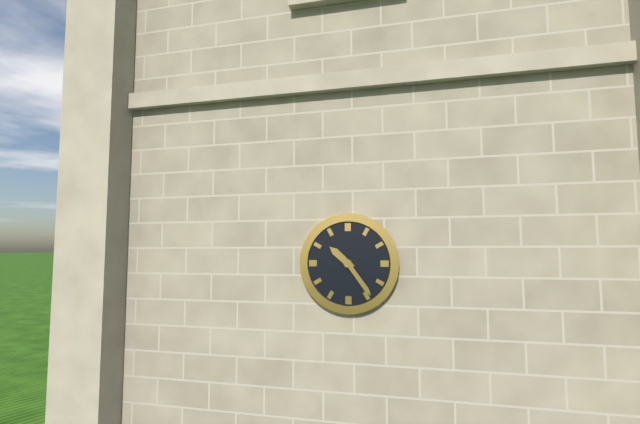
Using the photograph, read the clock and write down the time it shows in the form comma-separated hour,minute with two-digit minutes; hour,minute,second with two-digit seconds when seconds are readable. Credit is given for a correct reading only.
10,24
